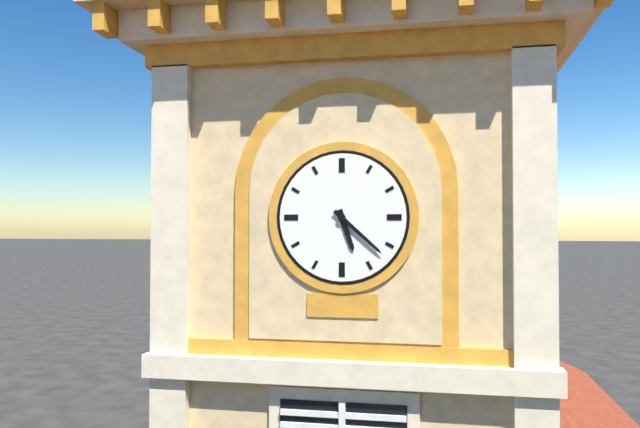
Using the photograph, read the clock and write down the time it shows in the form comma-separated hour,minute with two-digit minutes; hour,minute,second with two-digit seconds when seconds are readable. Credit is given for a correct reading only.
5,22
